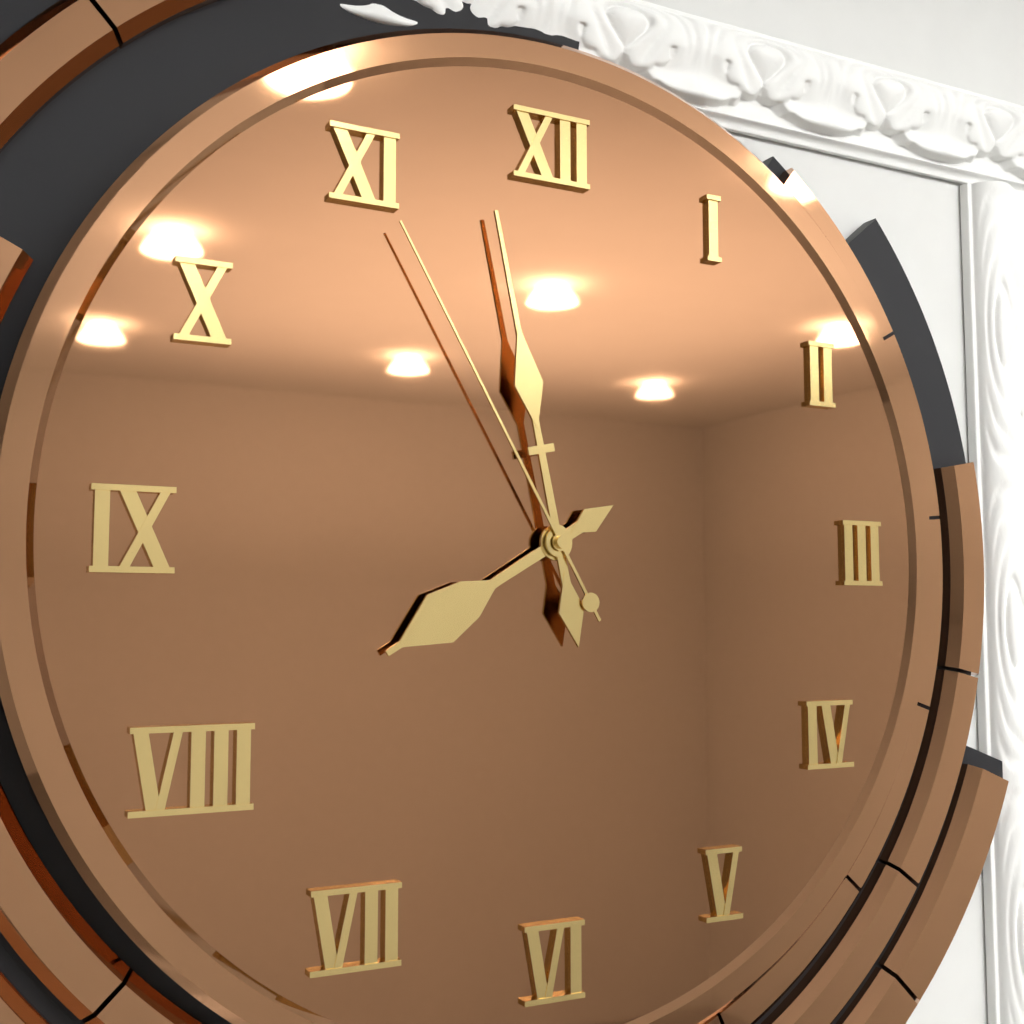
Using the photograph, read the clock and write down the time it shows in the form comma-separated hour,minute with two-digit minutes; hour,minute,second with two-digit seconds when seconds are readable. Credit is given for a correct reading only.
7,58,55
